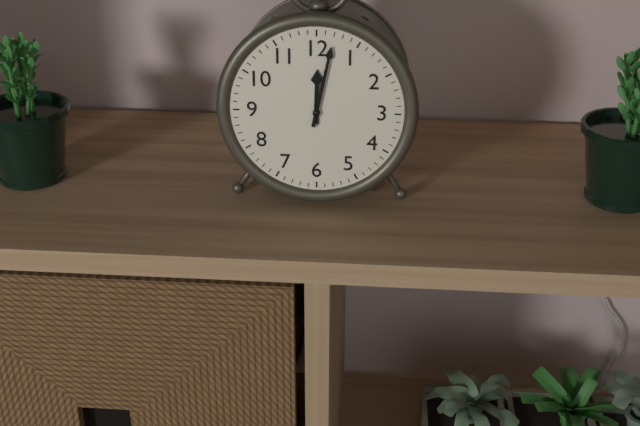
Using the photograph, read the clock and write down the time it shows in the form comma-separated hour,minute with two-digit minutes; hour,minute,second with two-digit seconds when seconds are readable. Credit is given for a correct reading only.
12,02
